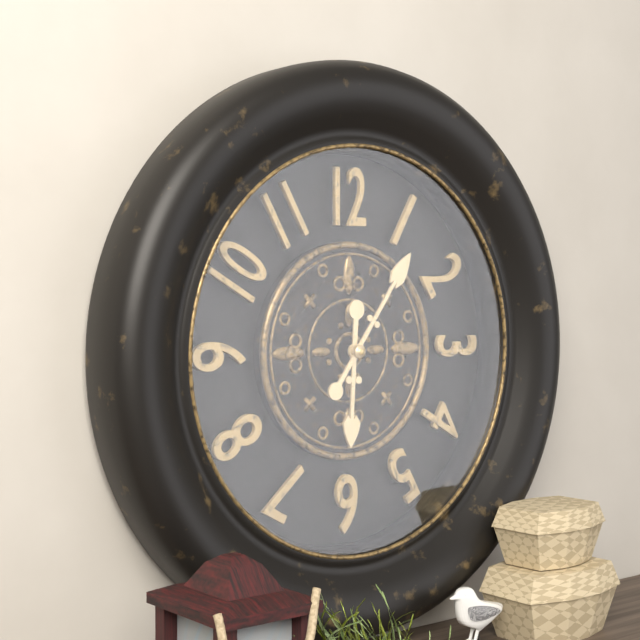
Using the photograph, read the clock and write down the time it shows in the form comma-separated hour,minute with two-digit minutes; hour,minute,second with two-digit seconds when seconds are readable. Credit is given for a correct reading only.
6,06
